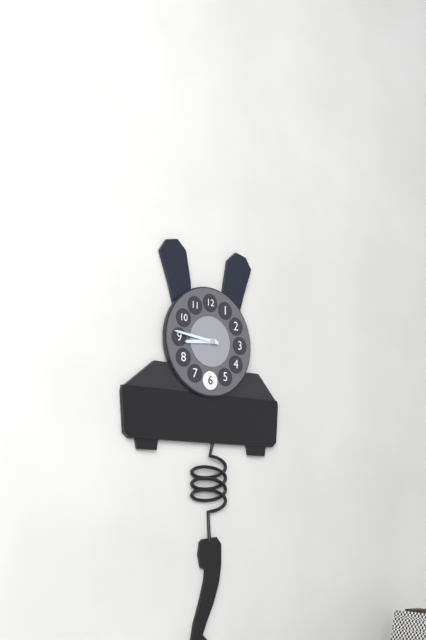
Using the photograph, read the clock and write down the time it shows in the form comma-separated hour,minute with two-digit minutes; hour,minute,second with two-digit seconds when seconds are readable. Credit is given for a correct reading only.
8,46
